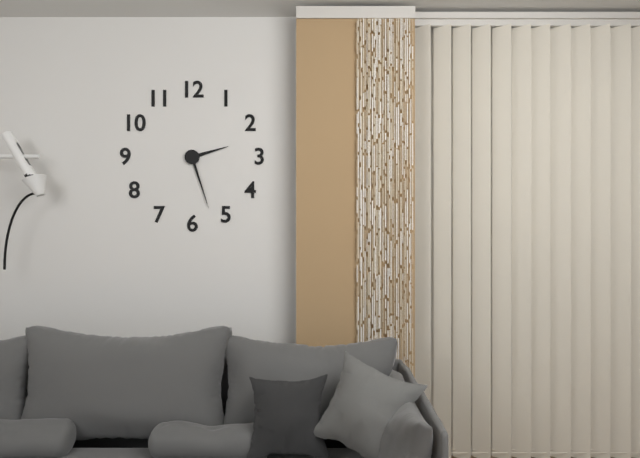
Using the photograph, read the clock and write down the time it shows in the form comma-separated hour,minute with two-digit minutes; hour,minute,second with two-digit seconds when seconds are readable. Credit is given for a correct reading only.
2,27
